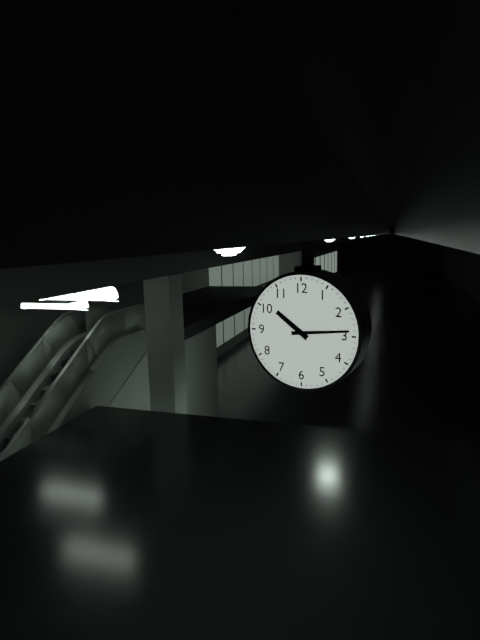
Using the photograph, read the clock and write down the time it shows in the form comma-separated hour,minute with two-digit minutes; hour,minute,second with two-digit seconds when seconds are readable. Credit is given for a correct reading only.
10,14
